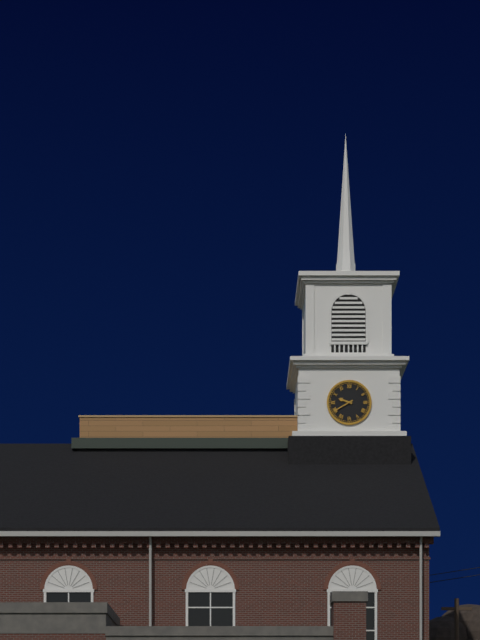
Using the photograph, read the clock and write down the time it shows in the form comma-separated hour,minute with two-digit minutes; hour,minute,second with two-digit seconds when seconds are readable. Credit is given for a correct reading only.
9,40
